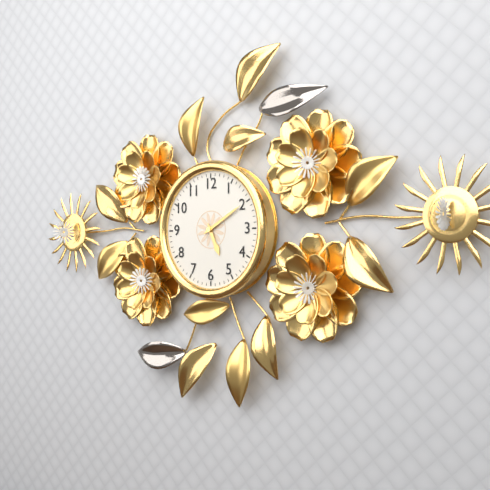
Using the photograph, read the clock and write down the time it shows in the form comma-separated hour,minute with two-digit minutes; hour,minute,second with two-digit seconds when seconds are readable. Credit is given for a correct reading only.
5,10
